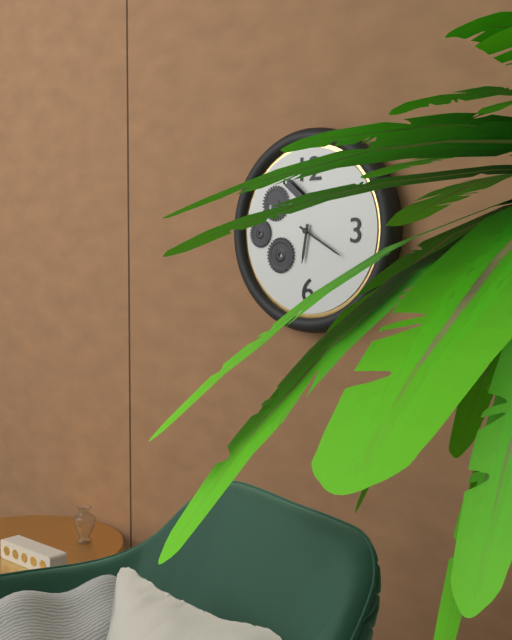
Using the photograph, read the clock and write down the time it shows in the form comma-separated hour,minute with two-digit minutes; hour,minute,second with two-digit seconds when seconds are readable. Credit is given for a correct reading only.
6,20
